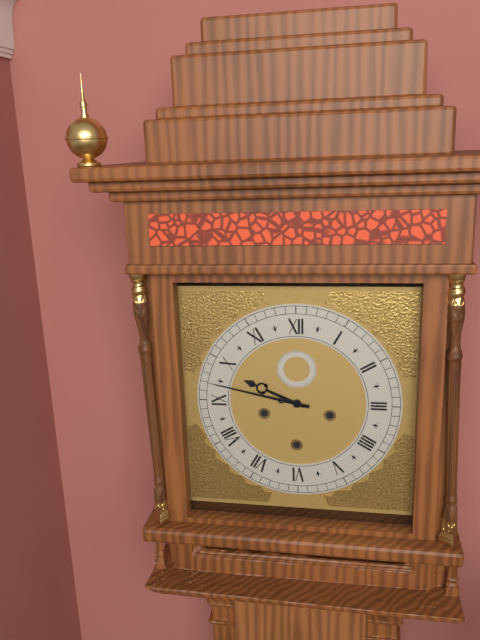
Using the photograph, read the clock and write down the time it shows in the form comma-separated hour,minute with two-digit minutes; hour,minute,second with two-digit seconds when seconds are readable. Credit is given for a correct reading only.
9,47
